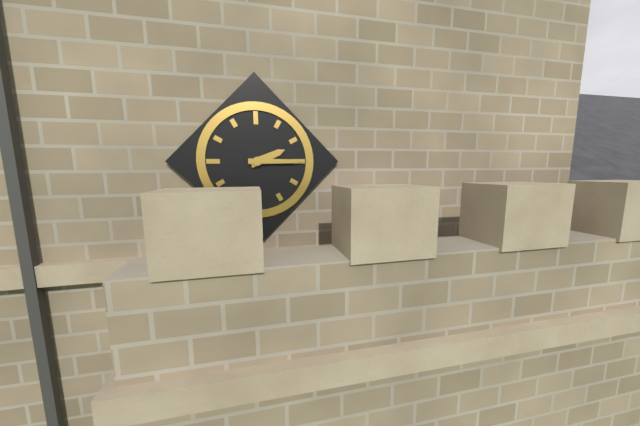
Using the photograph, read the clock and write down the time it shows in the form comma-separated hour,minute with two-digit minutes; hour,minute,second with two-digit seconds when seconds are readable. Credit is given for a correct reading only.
2,15
